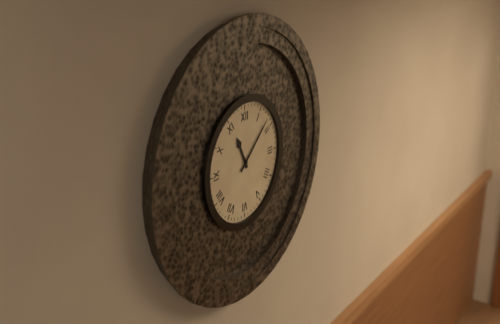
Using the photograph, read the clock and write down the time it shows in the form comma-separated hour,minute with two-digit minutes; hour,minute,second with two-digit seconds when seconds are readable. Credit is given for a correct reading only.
11,08
